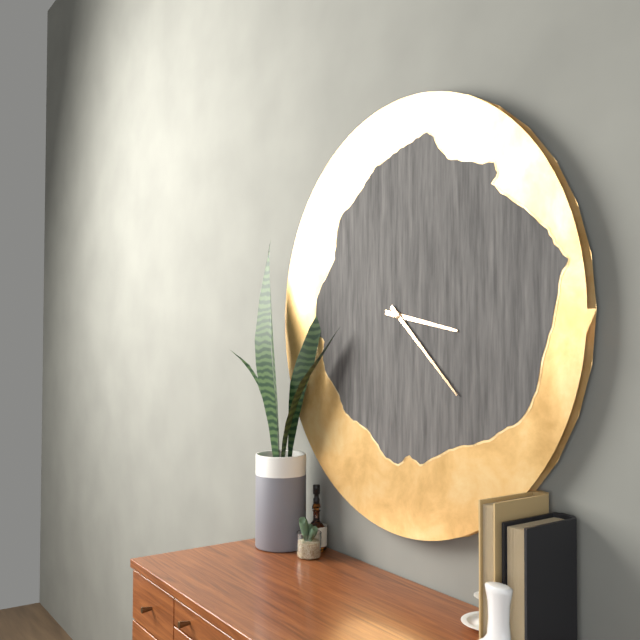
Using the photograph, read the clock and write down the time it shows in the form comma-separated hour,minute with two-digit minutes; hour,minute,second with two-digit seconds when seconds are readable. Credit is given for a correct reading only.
3,22
